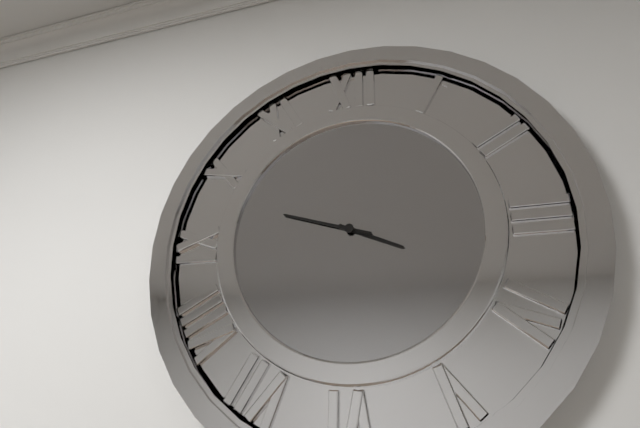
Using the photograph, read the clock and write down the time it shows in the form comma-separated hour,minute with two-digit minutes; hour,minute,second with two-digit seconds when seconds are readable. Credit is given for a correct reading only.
3,48
